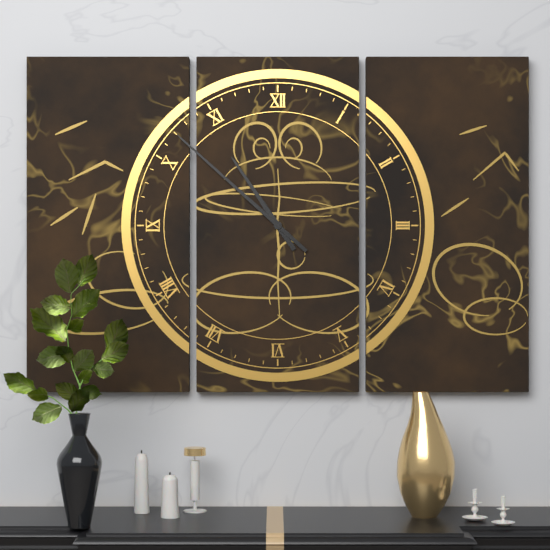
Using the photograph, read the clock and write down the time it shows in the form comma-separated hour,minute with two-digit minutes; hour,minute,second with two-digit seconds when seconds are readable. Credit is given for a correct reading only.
10,52
